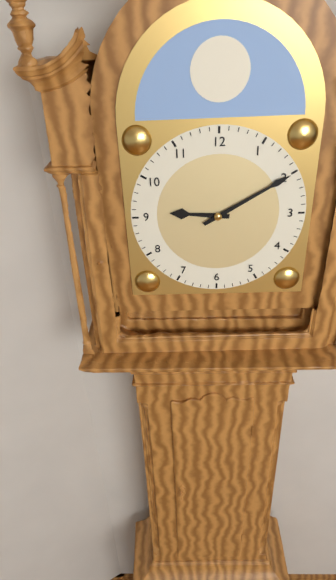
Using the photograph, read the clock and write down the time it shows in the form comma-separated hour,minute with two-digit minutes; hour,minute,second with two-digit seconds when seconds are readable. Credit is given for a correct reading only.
9,10
